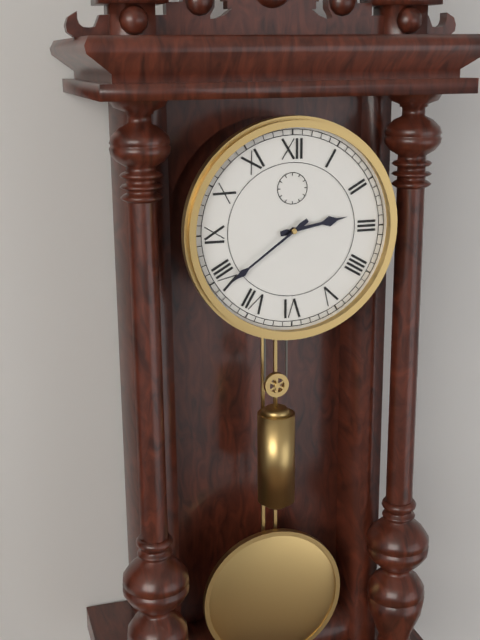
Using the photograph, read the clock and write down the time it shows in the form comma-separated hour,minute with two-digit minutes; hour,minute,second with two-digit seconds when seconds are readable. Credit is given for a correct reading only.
2,39
